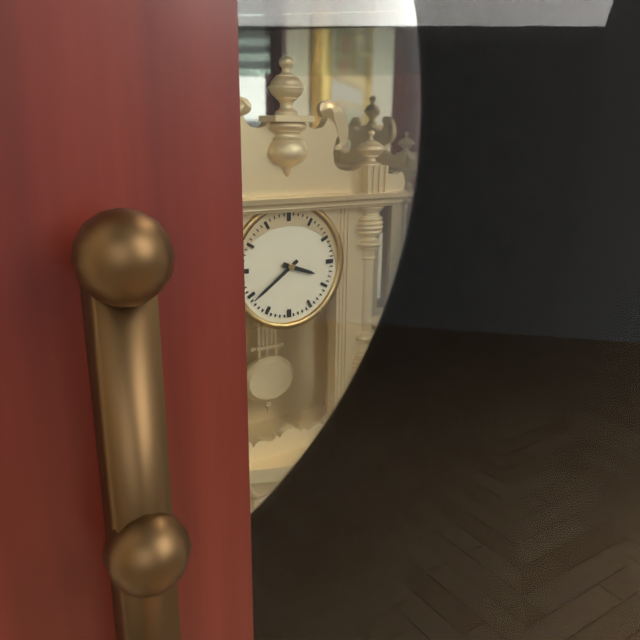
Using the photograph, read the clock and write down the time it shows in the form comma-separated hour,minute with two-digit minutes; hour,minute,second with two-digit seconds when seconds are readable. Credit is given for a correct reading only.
3,39
